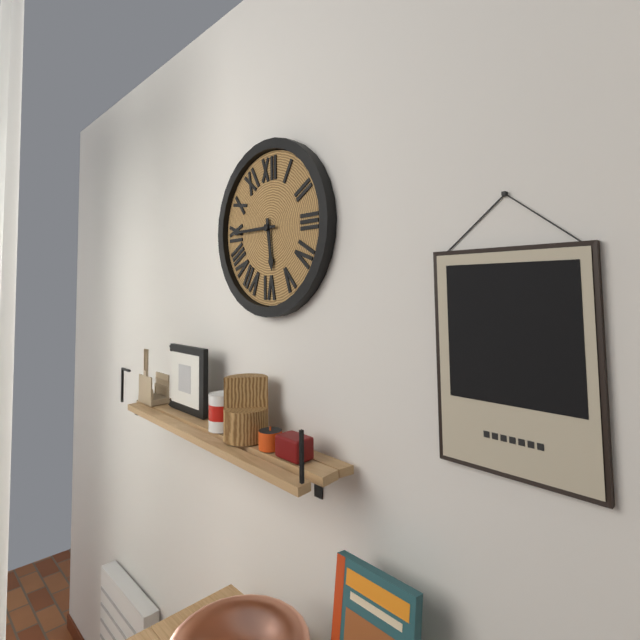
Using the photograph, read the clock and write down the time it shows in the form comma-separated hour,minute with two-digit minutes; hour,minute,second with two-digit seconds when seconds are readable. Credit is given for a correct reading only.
5,45
